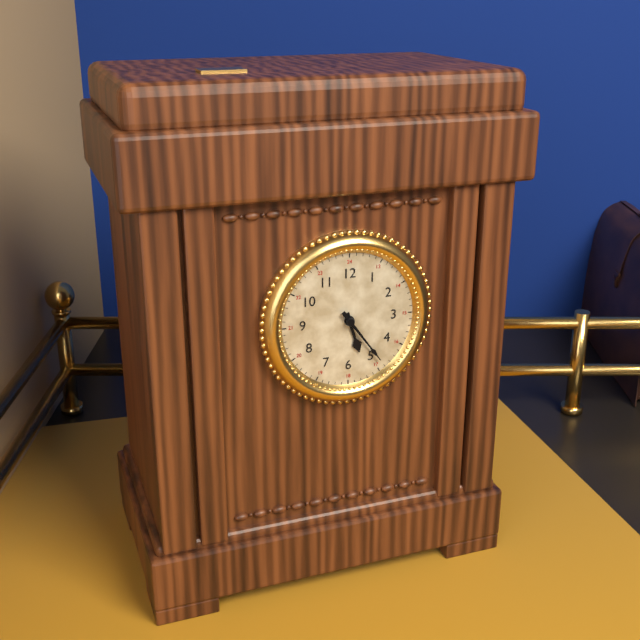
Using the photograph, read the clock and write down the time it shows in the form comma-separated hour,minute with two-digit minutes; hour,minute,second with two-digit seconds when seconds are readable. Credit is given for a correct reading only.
5,24
